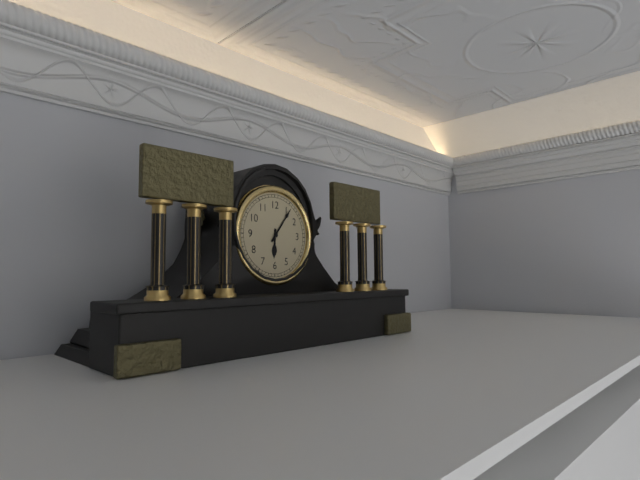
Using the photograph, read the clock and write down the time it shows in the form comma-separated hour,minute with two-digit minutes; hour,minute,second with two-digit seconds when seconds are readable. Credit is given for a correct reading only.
6,06
